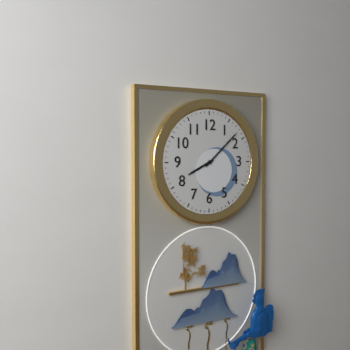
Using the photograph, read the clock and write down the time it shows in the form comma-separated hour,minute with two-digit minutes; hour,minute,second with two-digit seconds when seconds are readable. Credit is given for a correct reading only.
8,08
